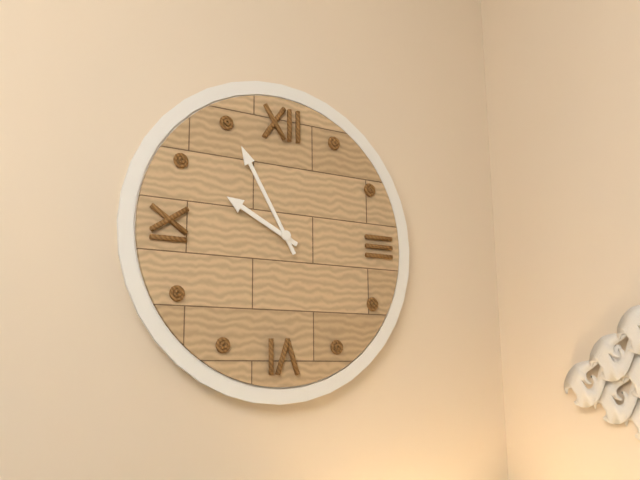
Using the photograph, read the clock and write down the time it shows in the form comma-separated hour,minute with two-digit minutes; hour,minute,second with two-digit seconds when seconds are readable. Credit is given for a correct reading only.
9,55
